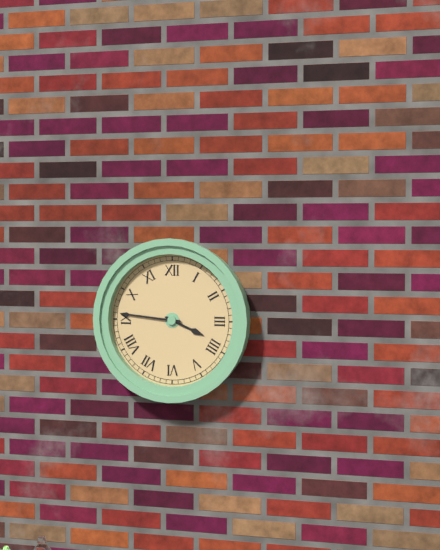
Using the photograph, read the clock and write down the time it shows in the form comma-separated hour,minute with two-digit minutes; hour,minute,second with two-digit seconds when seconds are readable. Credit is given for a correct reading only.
3,46
